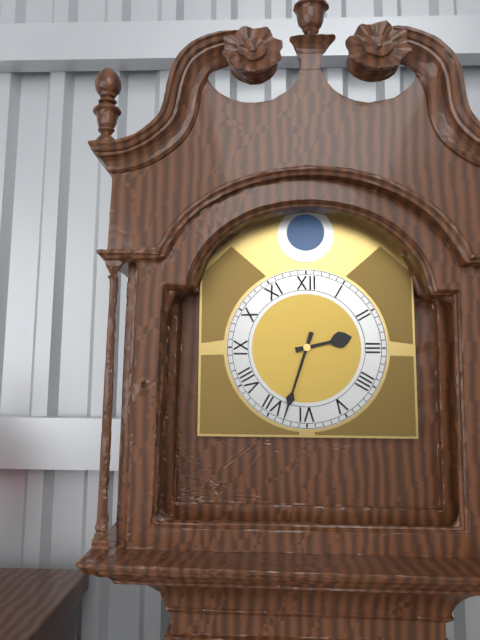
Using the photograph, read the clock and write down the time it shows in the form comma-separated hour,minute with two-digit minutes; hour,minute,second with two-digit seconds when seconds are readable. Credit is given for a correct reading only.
2,33
